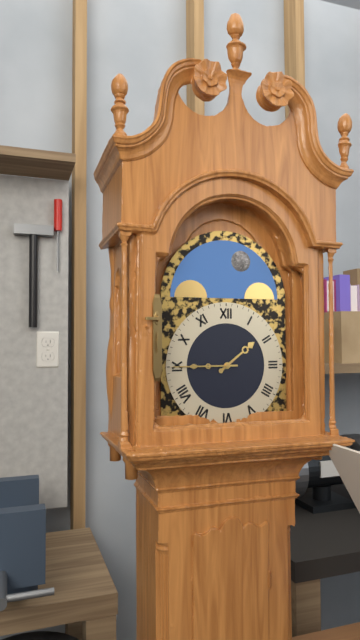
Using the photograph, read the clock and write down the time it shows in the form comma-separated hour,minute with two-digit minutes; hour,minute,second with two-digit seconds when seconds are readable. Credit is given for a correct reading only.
1,45
